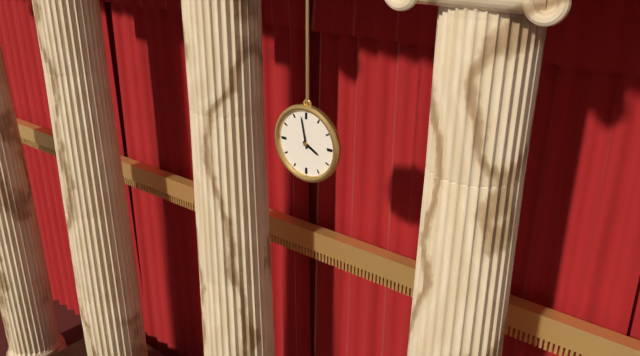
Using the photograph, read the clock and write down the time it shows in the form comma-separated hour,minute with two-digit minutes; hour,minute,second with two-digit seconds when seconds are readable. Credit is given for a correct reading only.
3,58
